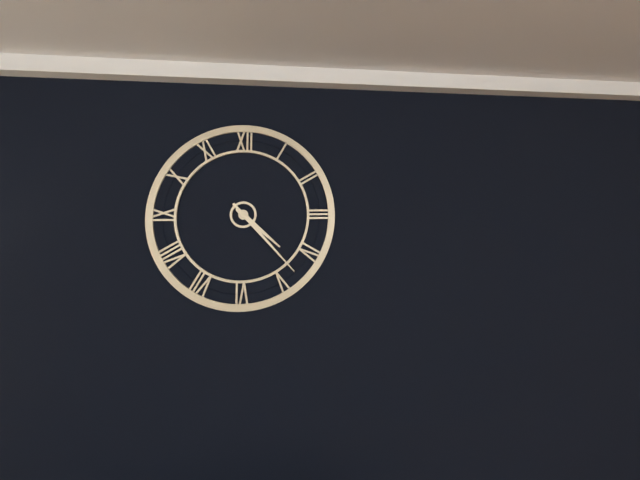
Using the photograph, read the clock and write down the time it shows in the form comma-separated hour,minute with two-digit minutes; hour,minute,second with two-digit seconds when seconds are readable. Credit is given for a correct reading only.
4,23
